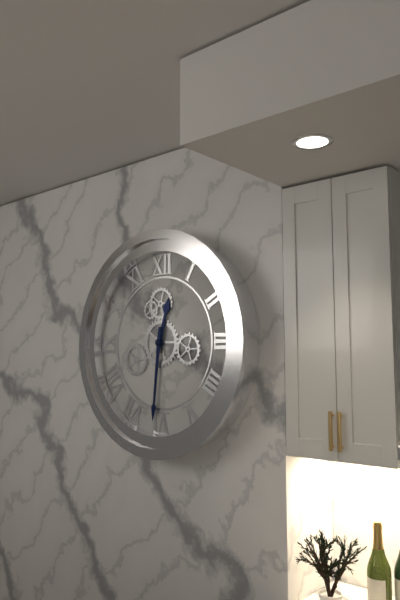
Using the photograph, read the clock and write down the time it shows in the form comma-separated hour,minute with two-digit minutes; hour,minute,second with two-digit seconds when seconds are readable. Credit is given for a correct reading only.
12,31
